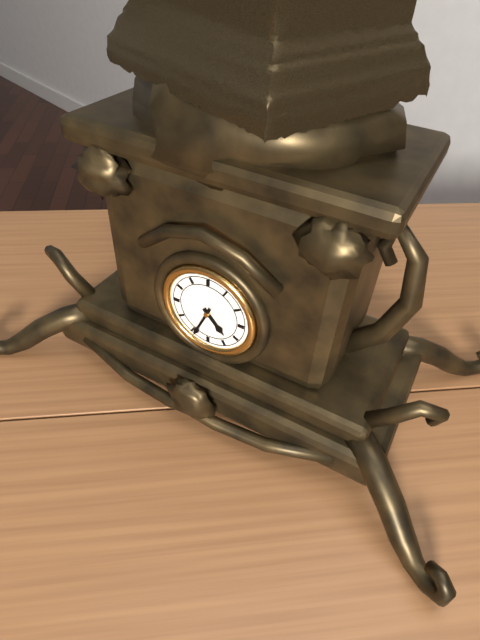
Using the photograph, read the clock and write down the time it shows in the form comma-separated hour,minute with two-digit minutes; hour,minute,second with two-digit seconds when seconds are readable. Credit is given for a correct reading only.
4,34
